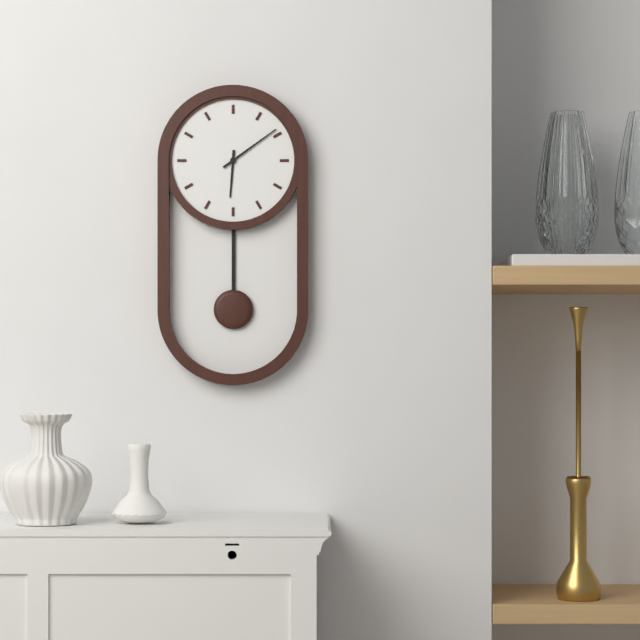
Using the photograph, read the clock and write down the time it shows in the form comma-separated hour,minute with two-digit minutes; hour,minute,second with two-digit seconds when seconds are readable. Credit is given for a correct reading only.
6,09
